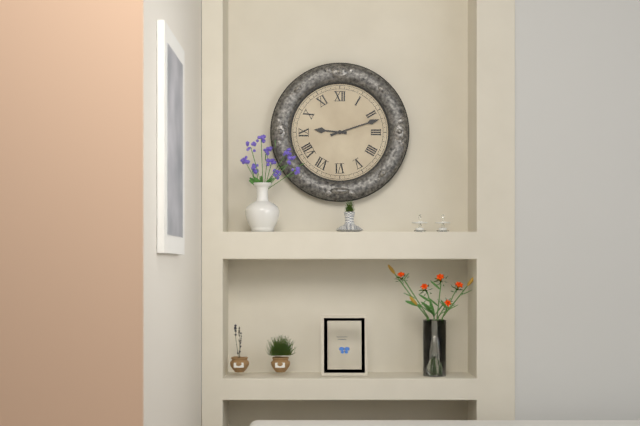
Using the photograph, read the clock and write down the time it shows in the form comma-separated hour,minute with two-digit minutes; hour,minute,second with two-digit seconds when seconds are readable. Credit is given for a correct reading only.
9,12
